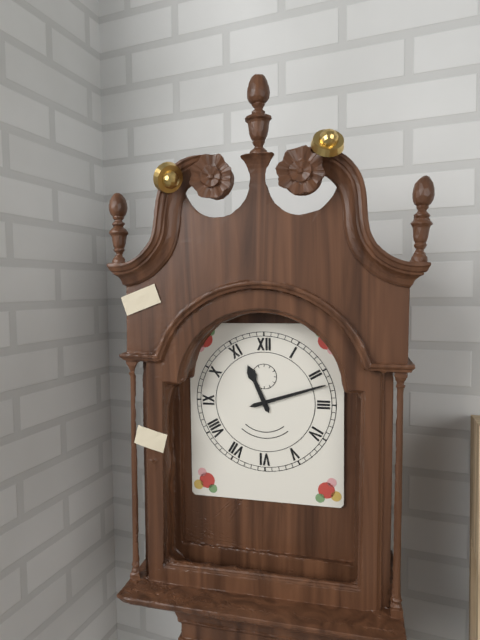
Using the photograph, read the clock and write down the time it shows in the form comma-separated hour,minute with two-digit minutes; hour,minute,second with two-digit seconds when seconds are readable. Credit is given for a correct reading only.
11,12
